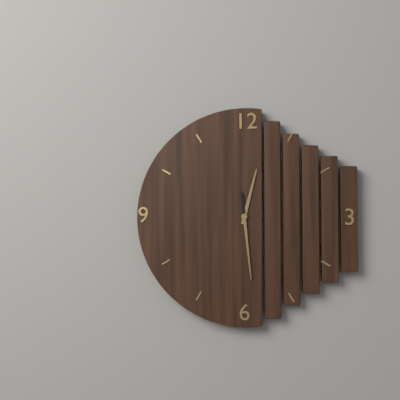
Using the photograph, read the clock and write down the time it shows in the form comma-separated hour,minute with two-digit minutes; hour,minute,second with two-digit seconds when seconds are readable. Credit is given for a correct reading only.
12,29
